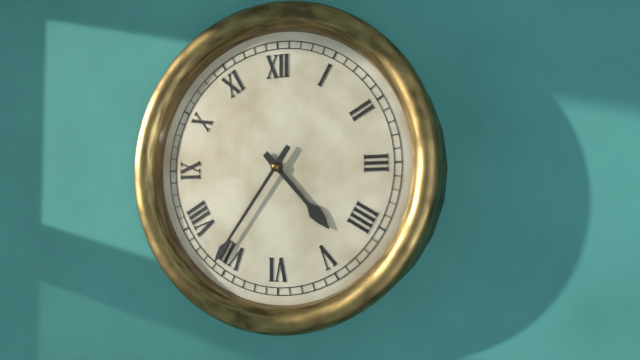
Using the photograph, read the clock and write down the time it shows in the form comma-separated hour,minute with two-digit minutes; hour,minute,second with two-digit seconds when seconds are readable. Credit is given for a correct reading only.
4,36
